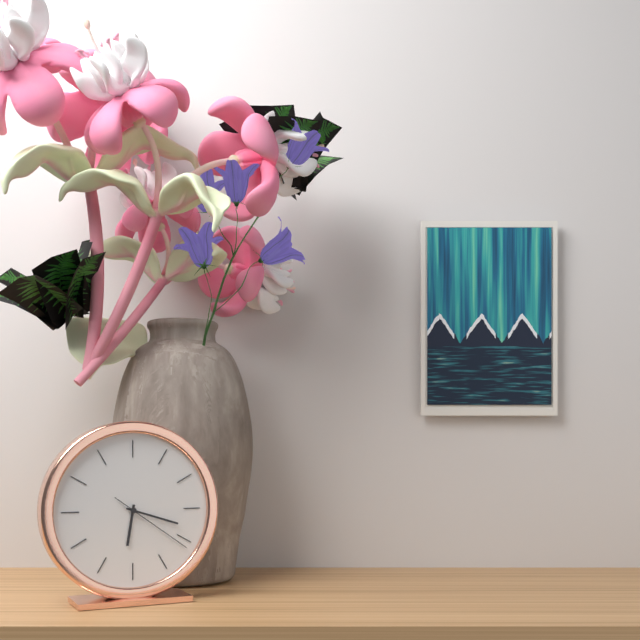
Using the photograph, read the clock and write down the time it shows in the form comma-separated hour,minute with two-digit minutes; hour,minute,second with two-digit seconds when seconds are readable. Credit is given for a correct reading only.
6,18,21
